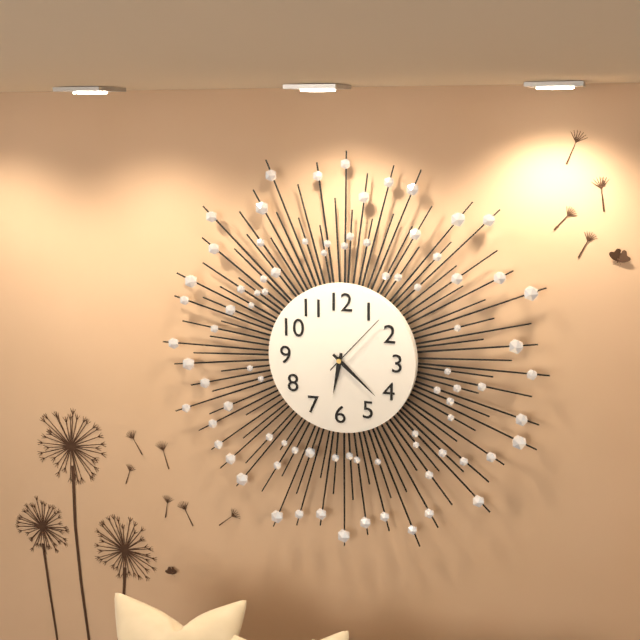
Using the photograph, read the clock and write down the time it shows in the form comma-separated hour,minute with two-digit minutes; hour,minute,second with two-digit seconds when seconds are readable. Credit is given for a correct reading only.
6,22,07
